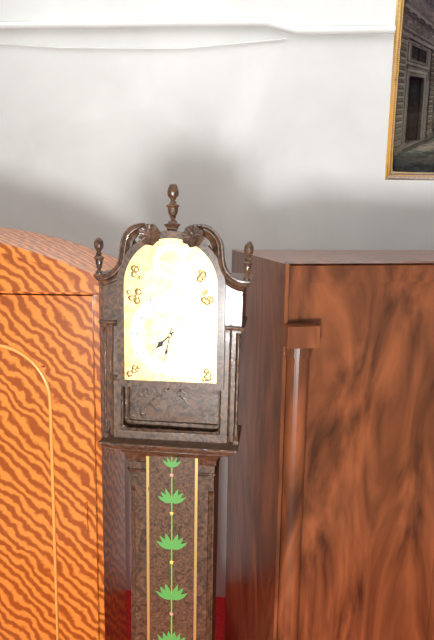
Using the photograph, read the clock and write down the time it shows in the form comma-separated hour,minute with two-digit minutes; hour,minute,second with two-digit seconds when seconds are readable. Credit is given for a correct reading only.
7,32
